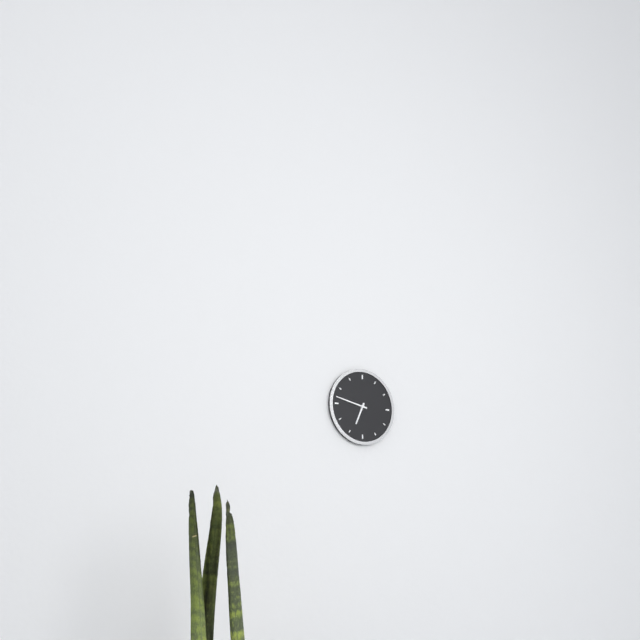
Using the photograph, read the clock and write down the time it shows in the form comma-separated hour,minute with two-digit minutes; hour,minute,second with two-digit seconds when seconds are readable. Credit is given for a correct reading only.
6,47
